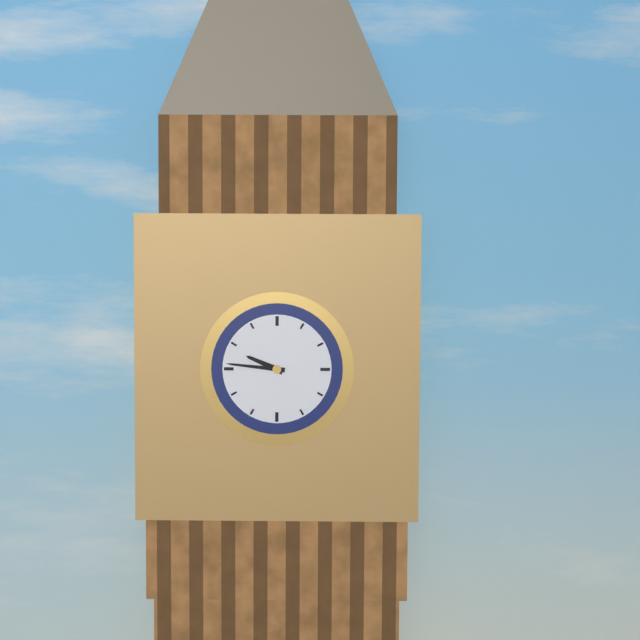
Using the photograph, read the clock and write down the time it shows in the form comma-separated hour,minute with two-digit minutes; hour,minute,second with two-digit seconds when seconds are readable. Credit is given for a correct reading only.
9,46
